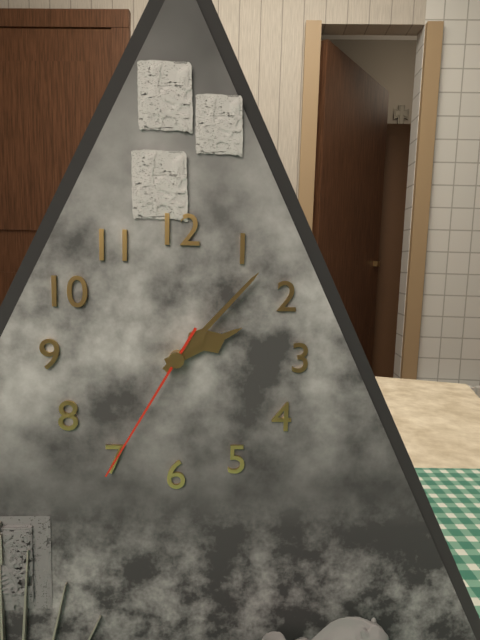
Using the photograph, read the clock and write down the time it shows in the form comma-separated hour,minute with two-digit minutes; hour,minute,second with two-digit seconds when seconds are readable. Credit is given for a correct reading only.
2,07,35
